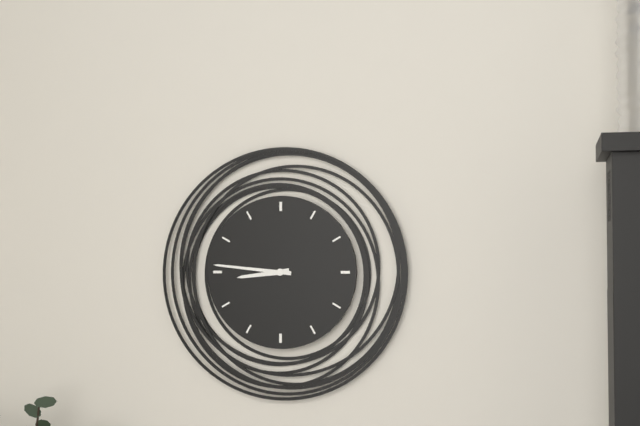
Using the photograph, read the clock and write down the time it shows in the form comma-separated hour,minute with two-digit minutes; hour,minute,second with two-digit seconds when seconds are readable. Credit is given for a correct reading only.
8,46
